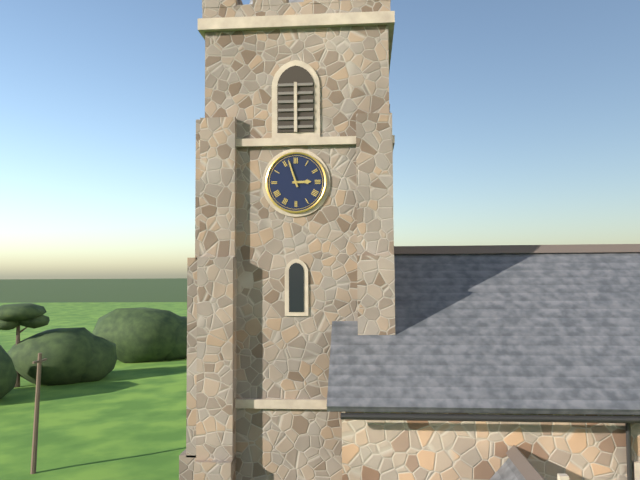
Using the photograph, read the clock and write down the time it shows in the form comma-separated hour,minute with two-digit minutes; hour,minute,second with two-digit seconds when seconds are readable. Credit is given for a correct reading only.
2,57
